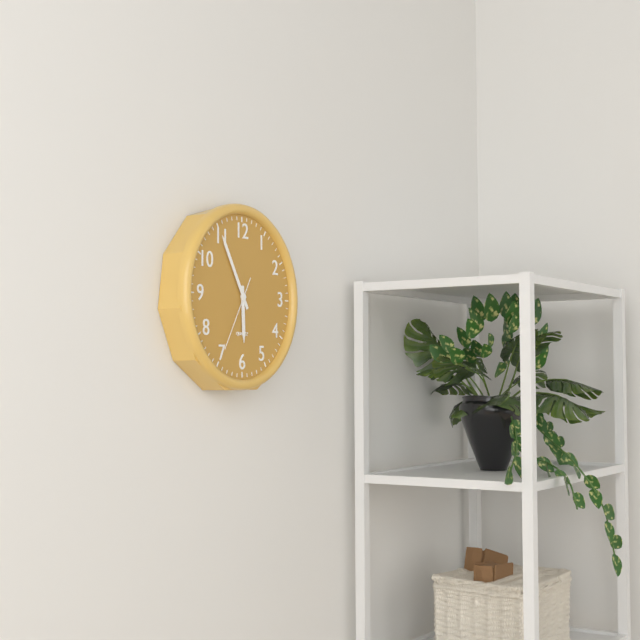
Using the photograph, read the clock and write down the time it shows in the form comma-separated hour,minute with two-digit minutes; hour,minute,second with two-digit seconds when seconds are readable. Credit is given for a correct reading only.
5,55,35
